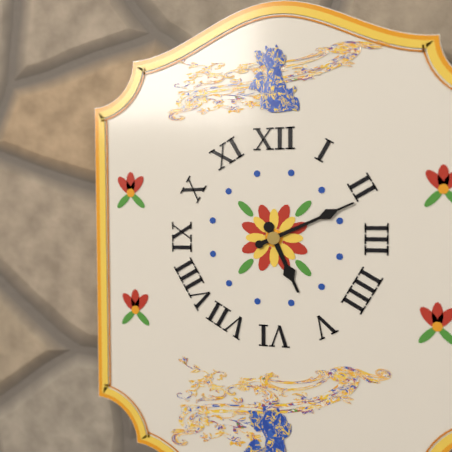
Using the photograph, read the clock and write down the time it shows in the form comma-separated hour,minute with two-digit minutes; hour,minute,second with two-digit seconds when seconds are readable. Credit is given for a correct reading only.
5,11
